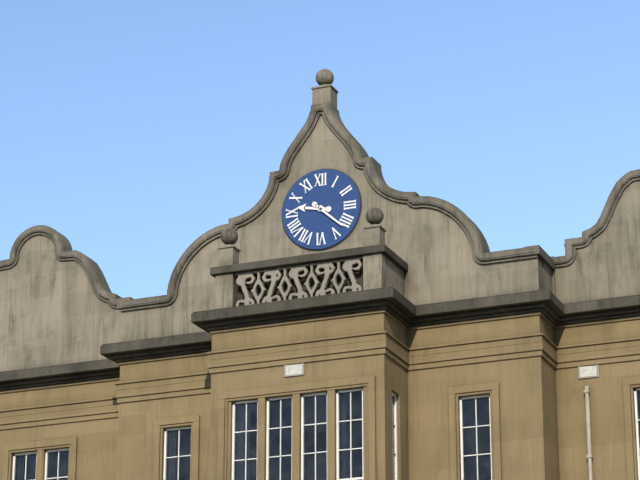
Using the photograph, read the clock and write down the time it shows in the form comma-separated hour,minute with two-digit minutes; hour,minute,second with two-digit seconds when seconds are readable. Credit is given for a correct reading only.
9,22
